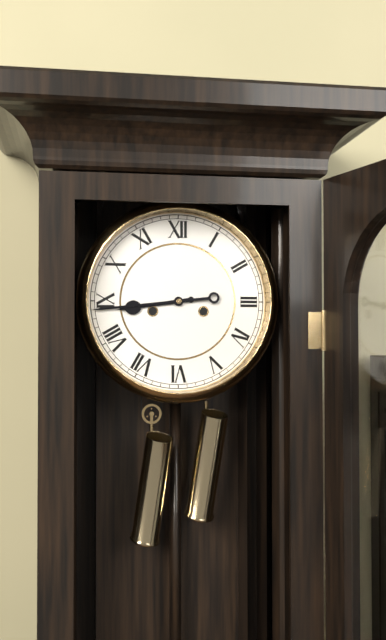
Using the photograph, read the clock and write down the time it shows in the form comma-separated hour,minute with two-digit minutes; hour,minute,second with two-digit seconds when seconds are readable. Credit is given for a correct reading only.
8,44
